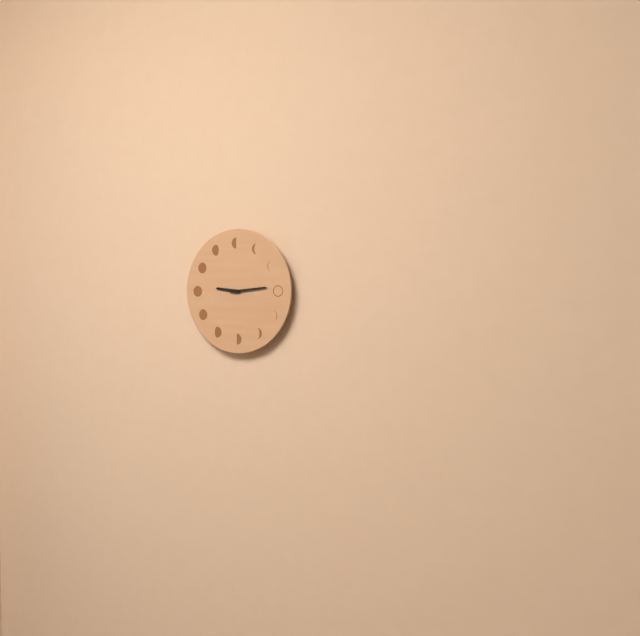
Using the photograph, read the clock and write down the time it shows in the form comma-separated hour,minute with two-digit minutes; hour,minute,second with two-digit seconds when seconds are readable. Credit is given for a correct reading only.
9,14
